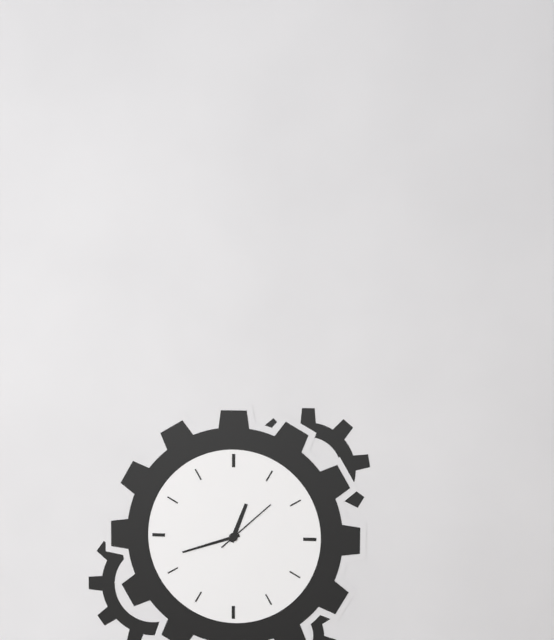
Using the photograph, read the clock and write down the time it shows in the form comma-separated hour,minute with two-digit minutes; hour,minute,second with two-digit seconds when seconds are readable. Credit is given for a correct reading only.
12,42,08
